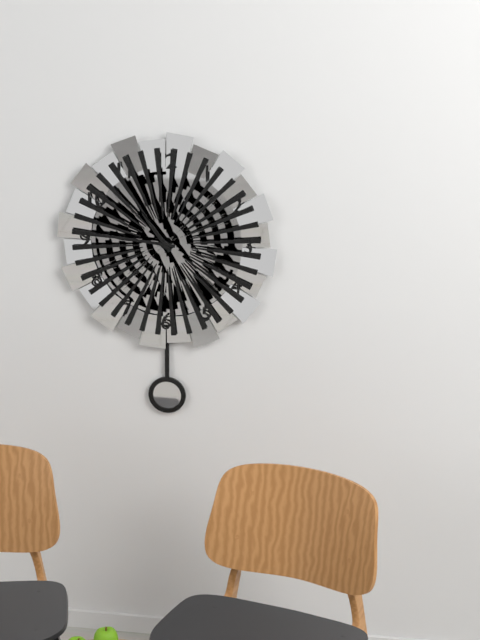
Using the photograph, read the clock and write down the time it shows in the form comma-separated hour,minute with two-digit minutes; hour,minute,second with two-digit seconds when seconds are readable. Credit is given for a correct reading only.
10,46
